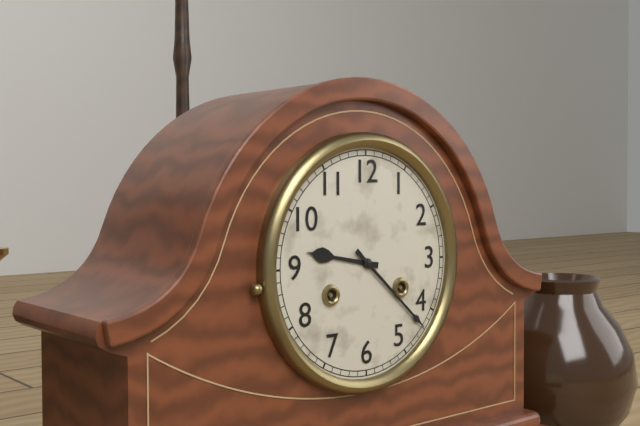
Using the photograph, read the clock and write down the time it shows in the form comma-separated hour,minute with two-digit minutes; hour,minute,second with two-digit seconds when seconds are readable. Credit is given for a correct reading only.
9,22
